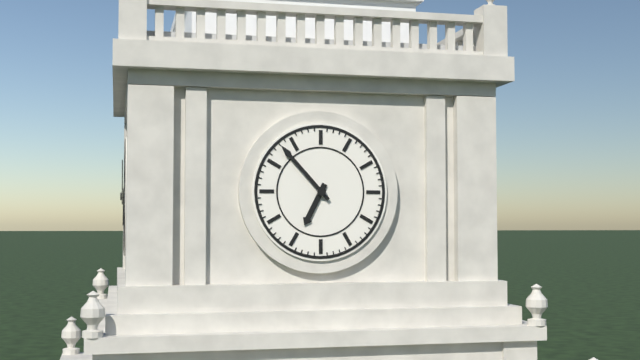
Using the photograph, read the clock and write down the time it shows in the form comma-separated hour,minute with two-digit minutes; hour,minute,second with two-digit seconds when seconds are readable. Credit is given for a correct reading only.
6,53
